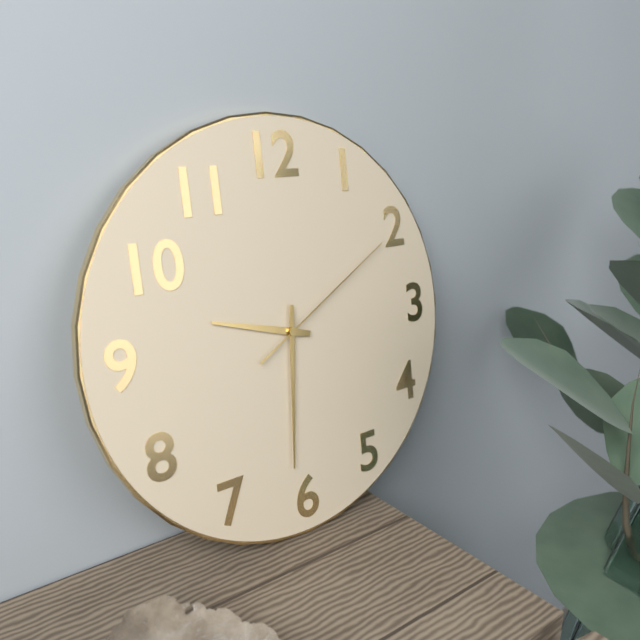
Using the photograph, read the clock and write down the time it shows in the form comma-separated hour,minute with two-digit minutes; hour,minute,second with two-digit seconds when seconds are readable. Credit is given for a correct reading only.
9,31,10
